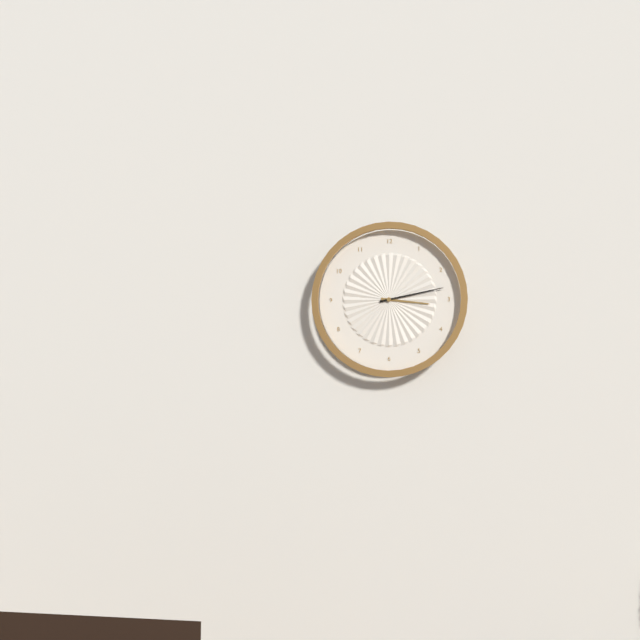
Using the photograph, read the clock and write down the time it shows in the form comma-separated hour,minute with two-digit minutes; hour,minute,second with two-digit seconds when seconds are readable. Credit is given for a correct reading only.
3,13
